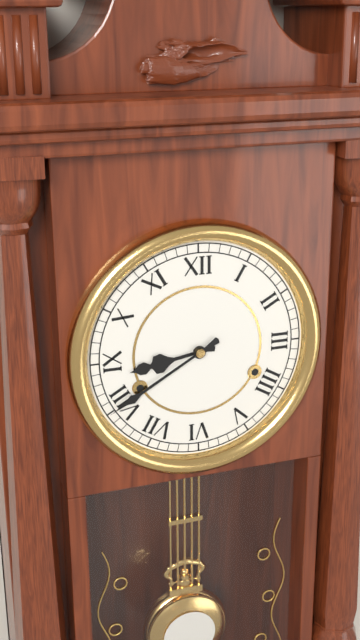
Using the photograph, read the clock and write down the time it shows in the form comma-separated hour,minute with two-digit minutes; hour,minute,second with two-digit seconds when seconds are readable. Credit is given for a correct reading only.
8,40
